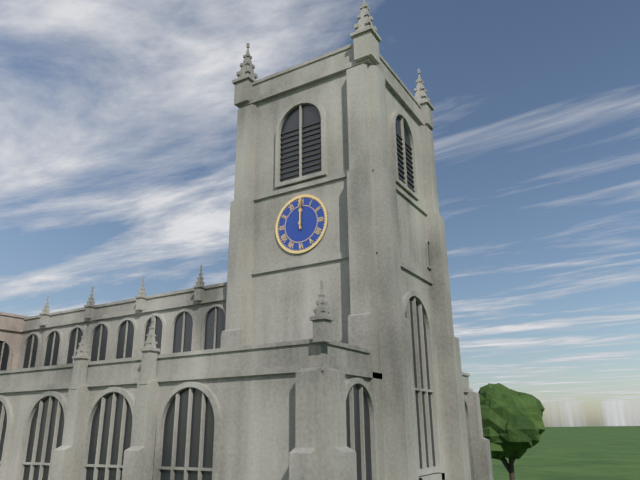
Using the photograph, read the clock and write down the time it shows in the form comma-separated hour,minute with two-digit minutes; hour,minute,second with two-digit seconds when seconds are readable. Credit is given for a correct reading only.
12,00
